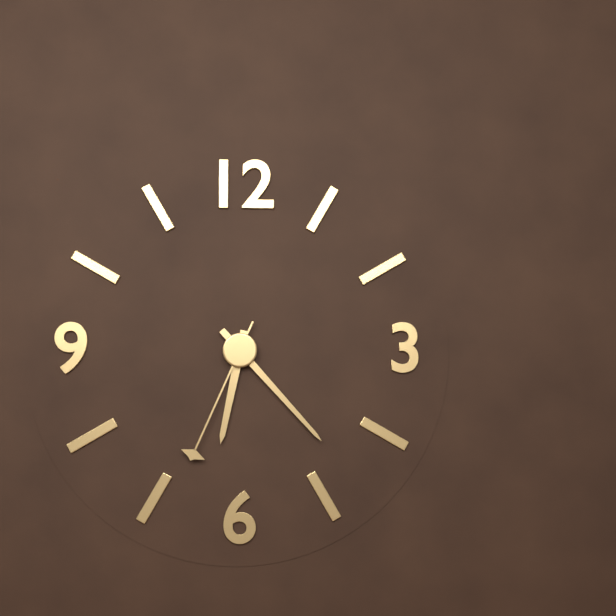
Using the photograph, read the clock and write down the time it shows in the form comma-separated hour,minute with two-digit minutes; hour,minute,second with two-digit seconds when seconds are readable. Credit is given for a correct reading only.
6,23,34
